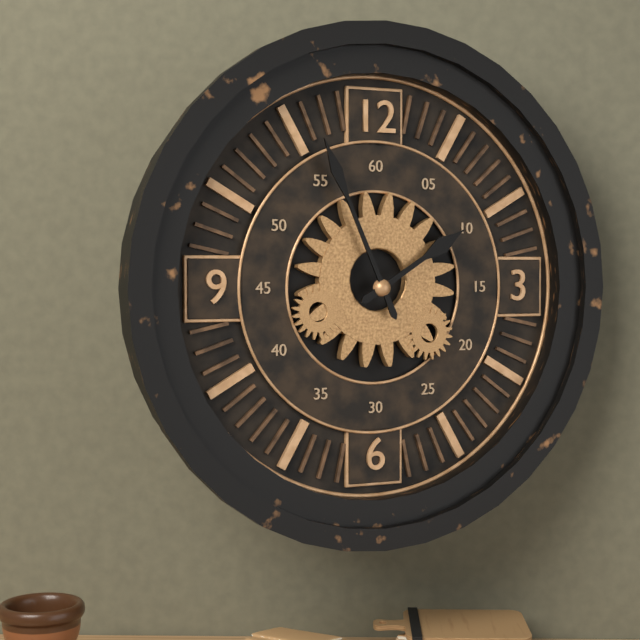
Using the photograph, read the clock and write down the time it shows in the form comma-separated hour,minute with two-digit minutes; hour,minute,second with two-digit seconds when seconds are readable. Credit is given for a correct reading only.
1,56
